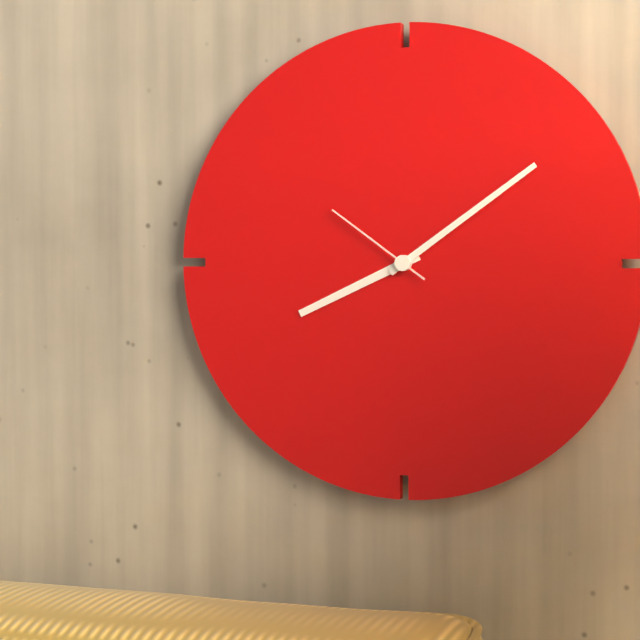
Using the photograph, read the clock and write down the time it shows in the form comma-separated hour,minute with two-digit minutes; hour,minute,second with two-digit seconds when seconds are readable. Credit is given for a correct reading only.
8,09,51
